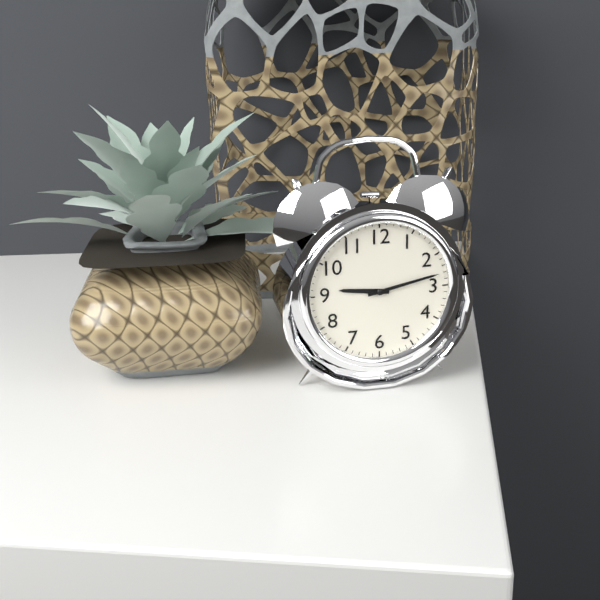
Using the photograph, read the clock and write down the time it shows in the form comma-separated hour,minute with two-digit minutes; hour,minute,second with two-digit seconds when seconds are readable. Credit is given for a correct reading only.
9,13
